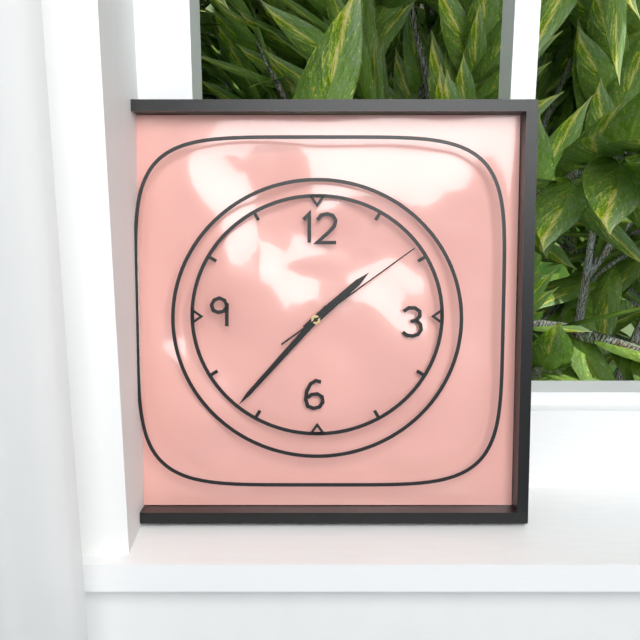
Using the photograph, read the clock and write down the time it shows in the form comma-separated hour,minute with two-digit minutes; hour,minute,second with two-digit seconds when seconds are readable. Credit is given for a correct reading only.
1,37,09
